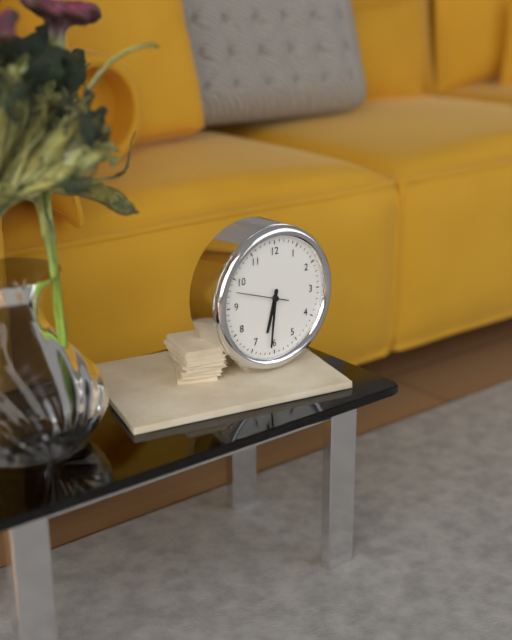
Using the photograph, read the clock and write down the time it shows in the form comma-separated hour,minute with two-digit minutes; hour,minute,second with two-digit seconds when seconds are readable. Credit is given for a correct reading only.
6,31
